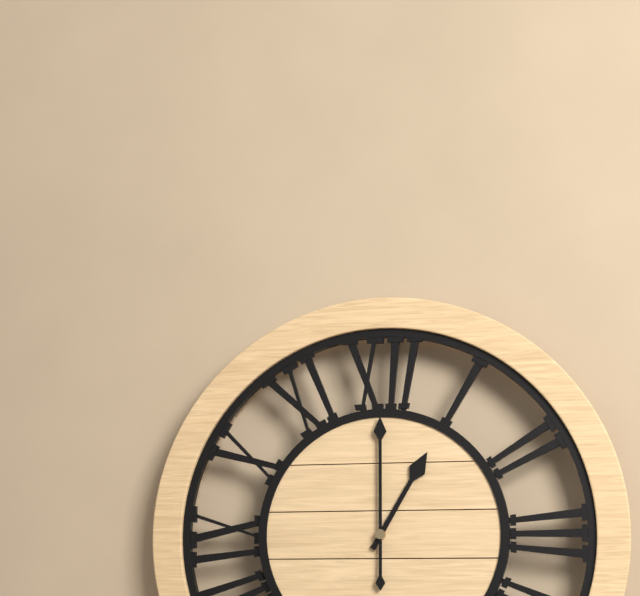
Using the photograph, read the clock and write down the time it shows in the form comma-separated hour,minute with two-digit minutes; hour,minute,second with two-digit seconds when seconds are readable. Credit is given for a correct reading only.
1,00
